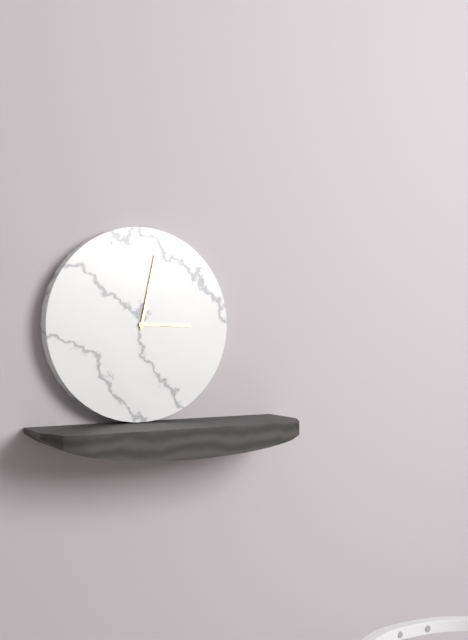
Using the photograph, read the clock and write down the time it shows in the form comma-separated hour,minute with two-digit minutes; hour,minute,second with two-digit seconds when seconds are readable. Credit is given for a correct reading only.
3,02
